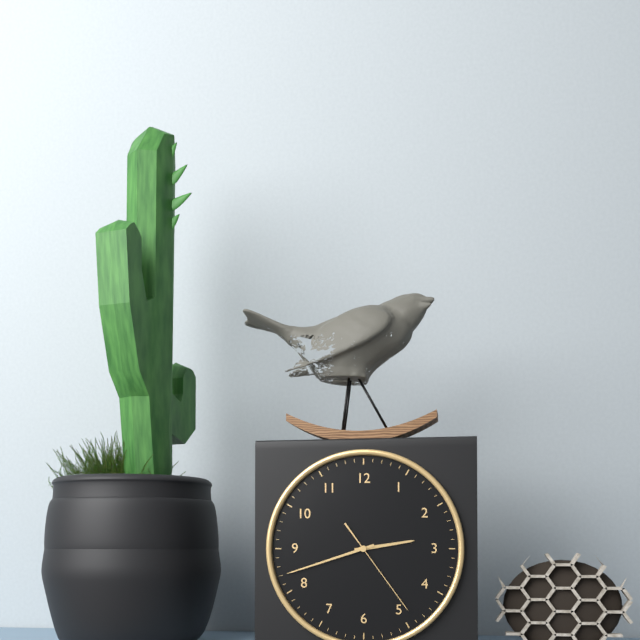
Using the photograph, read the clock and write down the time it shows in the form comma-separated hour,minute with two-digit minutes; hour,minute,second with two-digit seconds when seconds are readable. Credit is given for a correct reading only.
2,42,24
